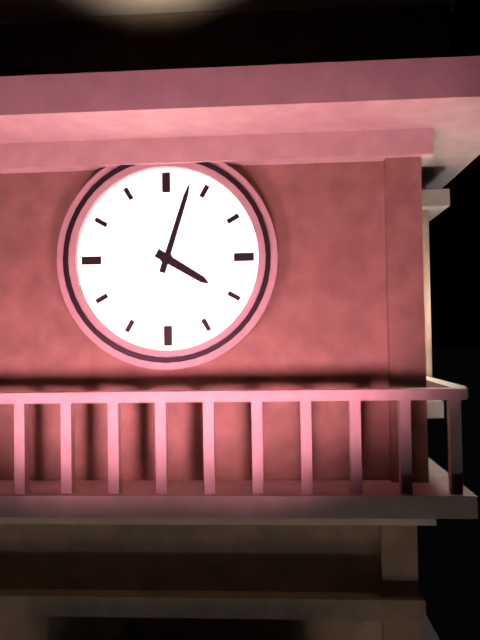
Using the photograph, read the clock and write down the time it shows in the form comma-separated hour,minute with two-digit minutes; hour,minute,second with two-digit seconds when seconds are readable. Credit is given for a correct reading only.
4,03
